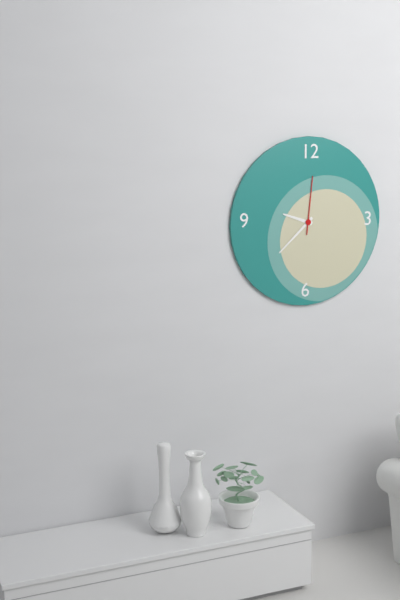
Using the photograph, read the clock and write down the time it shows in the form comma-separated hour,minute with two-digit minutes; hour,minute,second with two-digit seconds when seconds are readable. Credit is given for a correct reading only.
9,38,01
